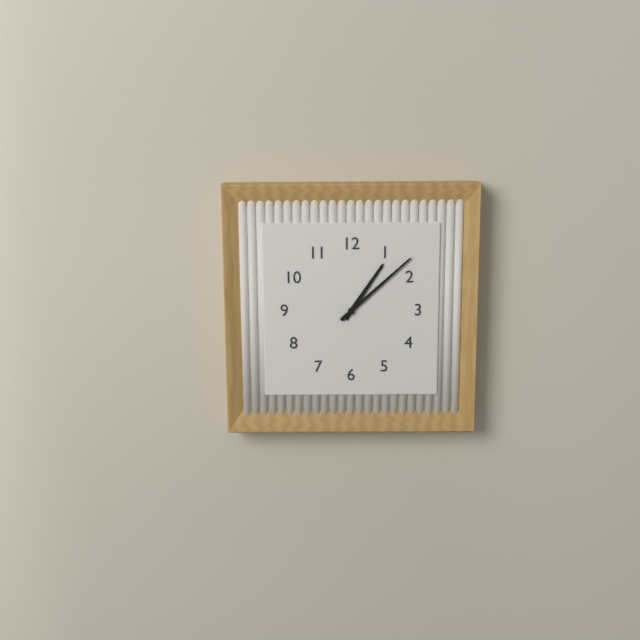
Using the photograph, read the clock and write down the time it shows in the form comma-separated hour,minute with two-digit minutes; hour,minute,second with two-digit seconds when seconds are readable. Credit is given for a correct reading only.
1,08
